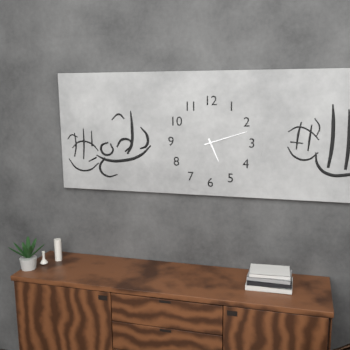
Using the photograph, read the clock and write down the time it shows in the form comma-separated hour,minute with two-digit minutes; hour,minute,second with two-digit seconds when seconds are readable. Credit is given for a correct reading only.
5,12
